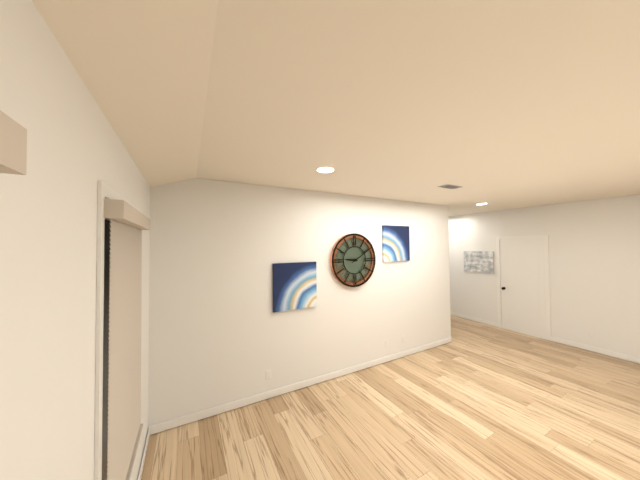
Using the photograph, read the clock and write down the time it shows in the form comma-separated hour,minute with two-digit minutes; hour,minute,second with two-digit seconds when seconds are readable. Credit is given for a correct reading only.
9,10
